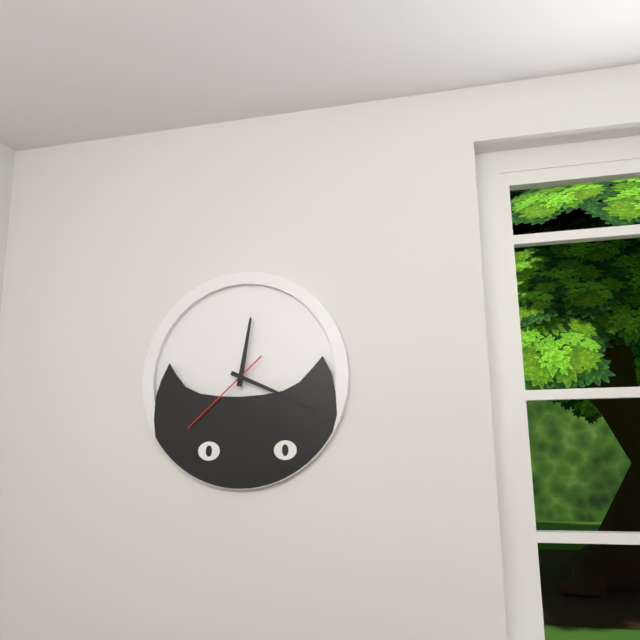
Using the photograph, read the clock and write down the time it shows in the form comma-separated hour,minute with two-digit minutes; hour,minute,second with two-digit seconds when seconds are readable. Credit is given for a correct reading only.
12,19,38
